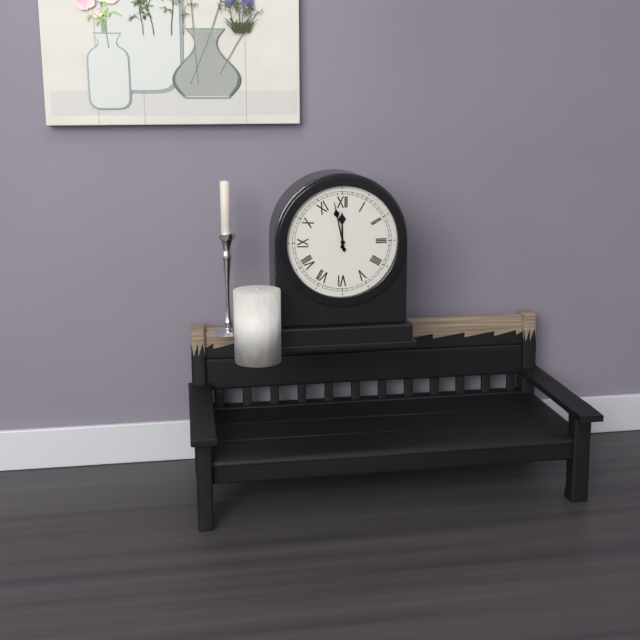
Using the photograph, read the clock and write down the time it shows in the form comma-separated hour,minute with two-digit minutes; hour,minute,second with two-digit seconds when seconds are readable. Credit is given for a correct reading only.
11,58
